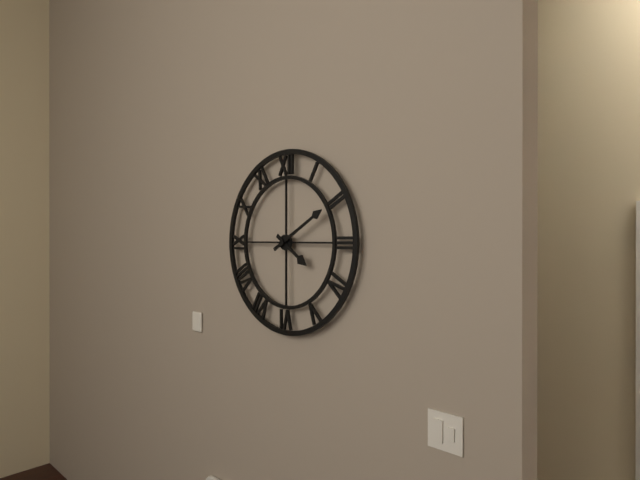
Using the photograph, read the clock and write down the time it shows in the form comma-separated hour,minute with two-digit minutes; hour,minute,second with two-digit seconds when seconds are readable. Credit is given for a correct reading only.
4,10
